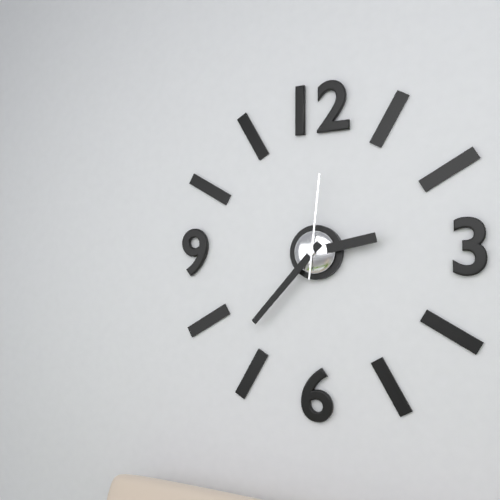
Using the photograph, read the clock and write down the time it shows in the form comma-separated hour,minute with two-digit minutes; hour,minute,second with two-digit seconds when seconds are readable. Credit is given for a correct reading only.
2,37,01
